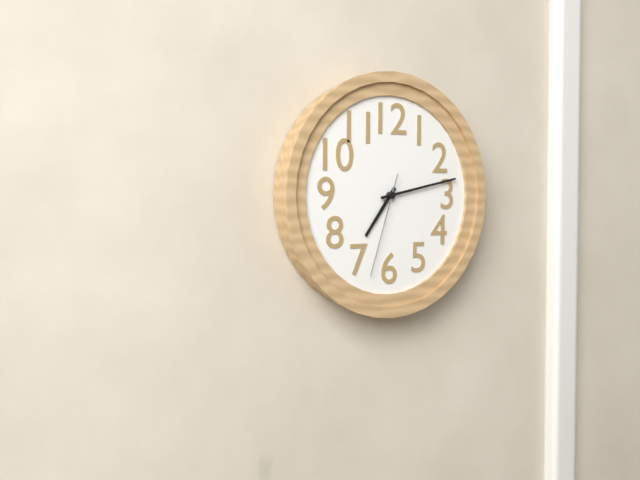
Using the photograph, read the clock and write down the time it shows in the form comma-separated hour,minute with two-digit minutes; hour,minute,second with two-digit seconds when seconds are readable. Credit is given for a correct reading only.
7,13,33
